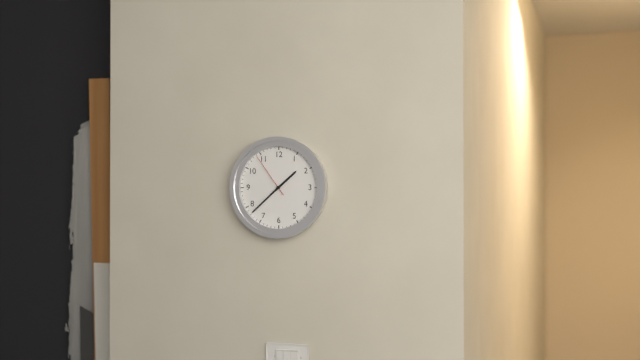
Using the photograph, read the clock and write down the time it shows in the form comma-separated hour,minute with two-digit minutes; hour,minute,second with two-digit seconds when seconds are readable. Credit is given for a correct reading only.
1,38
